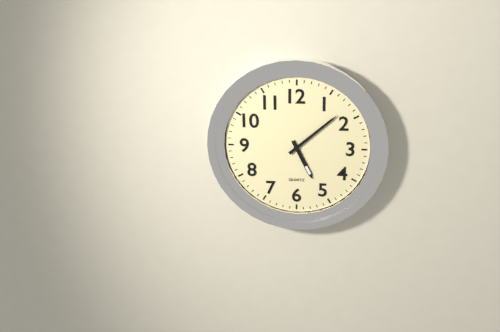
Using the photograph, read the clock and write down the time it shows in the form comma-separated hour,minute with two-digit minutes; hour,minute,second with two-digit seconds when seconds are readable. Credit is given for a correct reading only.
5,08
